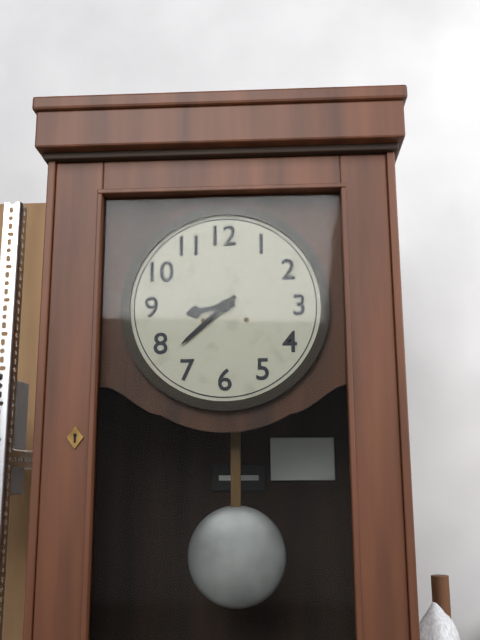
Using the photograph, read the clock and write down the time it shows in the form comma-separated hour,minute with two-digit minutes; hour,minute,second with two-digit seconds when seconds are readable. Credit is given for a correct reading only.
8,38
